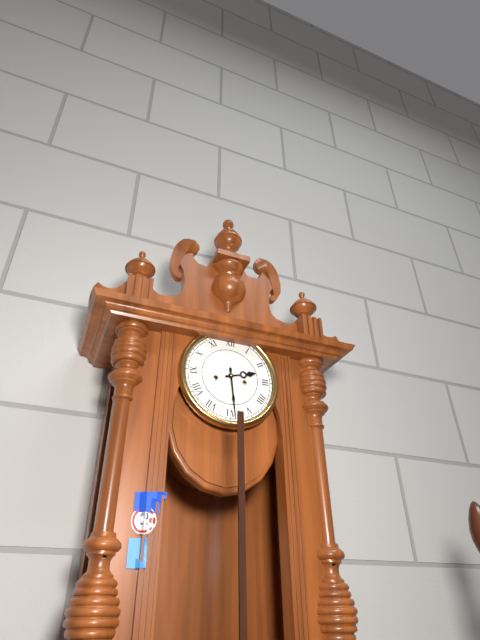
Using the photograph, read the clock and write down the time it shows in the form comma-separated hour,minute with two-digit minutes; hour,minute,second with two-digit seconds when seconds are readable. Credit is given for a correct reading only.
2,29
